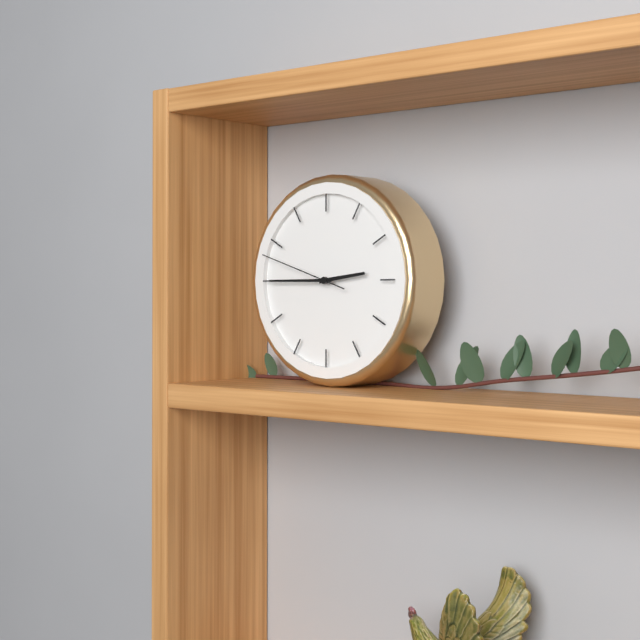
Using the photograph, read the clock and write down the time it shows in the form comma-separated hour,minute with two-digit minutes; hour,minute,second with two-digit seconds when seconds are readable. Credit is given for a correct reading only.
2,45,48
